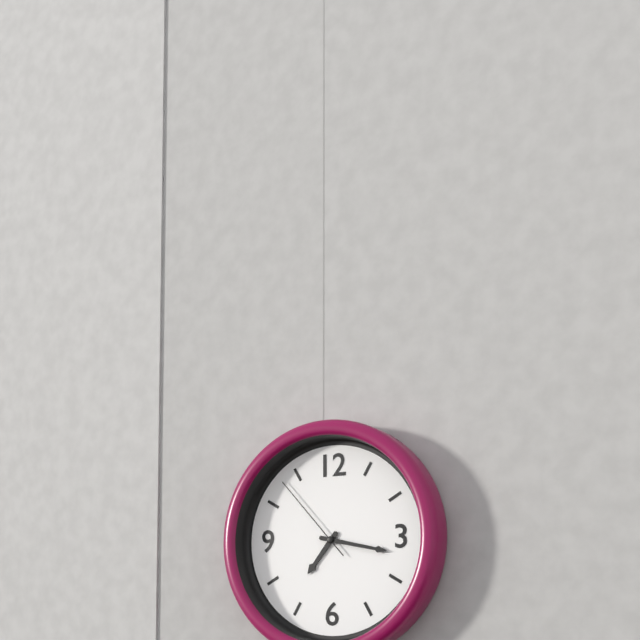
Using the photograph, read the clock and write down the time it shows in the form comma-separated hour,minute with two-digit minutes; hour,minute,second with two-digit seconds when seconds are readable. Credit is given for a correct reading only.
7,17,53
